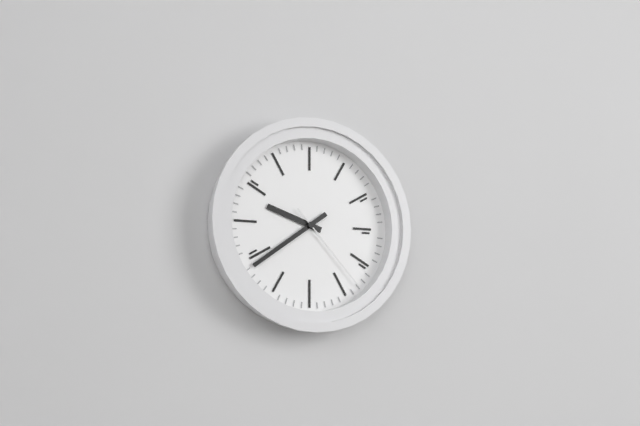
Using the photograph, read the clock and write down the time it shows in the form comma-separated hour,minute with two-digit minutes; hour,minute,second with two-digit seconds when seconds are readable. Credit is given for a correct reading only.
9,39,23
